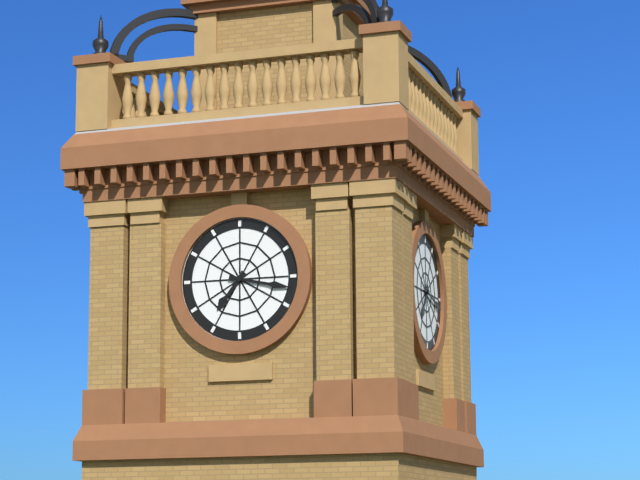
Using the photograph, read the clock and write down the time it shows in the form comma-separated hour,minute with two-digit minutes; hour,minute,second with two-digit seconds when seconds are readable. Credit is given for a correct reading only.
7,17
